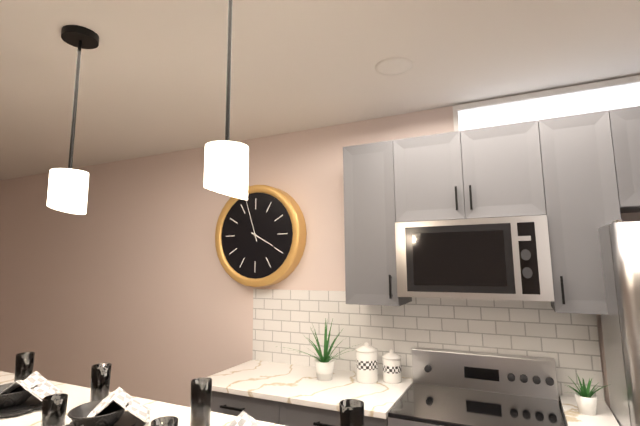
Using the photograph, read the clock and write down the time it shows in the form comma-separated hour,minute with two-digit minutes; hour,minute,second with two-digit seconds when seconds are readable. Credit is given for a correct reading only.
3,57
